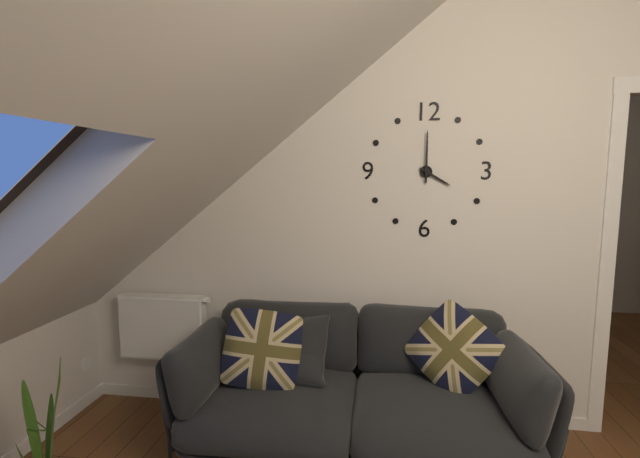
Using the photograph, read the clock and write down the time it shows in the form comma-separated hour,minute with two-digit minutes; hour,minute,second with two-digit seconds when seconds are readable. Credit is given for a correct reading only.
4,00
